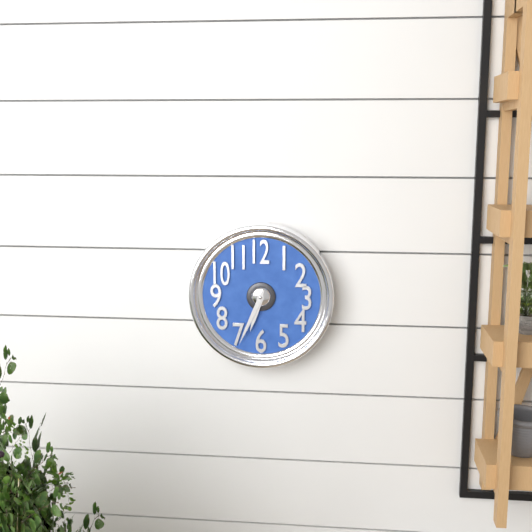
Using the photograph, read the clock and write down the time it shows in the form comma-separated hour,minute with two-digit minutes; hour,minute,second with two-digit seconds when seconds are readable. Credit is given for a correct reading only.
6,34
